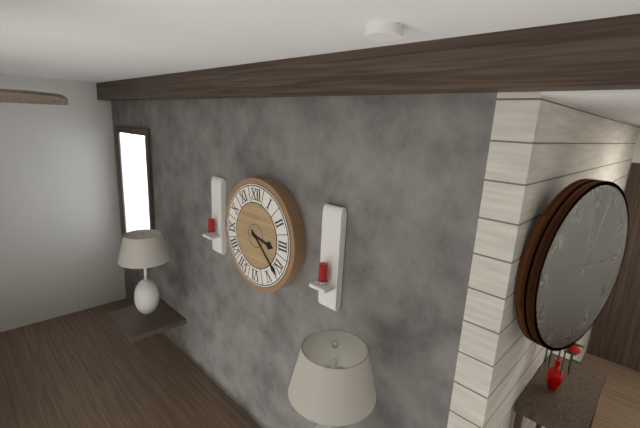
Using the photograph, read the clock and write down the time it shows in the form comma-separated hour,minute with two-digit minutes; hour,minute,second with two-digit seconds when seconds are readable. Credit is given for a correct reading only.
3,22
